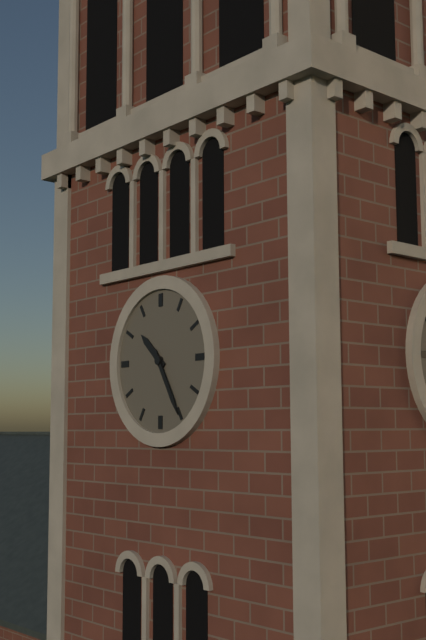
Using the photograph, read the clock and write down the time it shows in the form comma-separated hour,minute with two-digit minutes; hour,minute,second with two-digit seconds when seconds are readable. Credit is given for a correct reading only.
10,25
